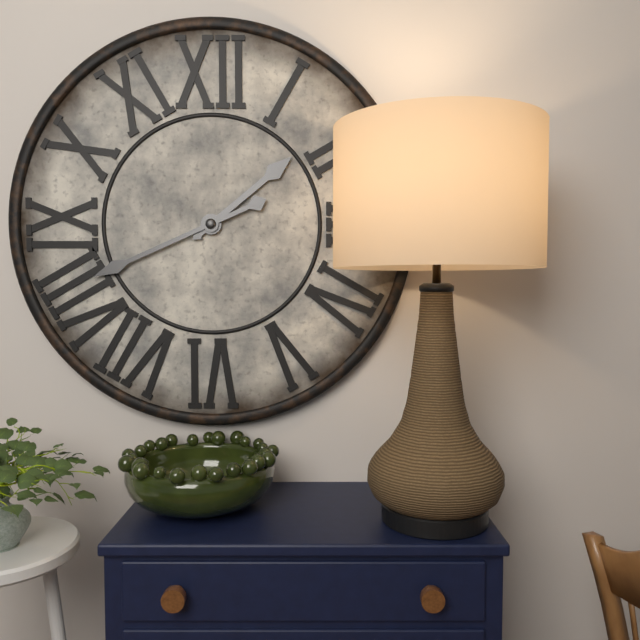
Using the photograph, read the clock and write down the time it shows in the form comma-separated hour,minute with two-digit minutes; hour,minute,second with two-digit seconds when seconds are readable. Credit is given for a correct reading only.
1,41
